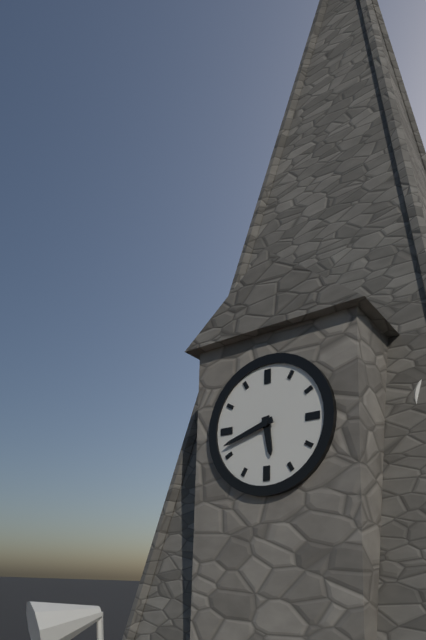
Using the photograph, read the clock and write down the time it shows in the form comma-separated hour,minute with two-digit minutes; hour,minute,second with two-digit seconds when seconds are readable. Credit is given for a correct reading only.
5,42
